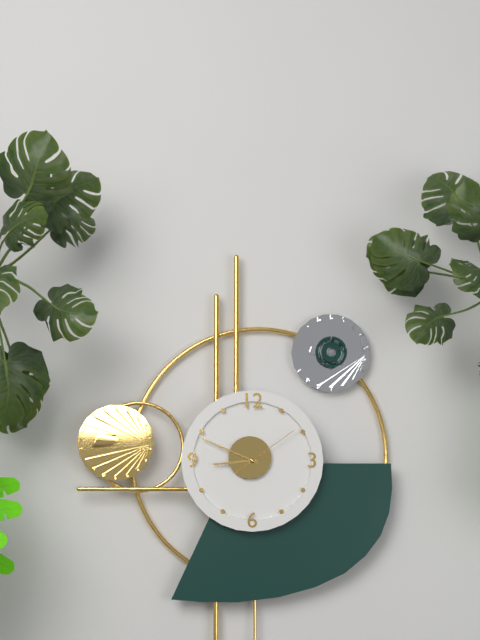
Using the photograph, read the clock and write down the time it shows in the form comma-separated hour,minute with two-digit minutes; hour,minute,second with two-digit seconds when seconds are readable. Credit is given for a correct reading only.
8,49,09
